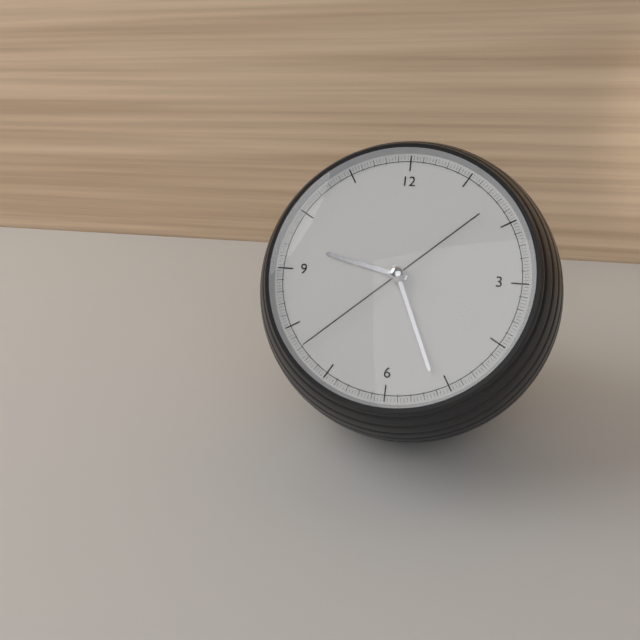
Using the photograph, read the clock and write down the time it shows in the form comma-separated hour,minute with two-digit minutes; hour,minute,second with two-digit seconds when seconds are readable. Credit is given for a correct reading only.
9,26,38
